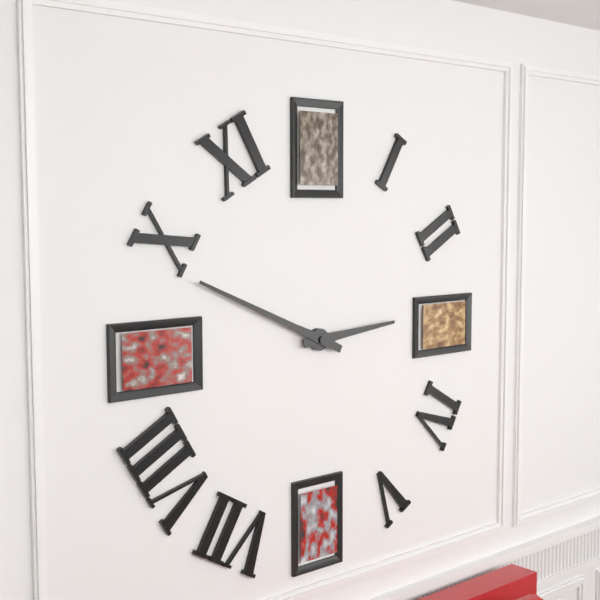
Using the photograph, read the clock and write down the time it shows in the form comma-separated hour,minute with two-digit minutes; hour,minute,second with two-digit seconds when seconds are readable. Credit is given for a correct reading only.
2,49
